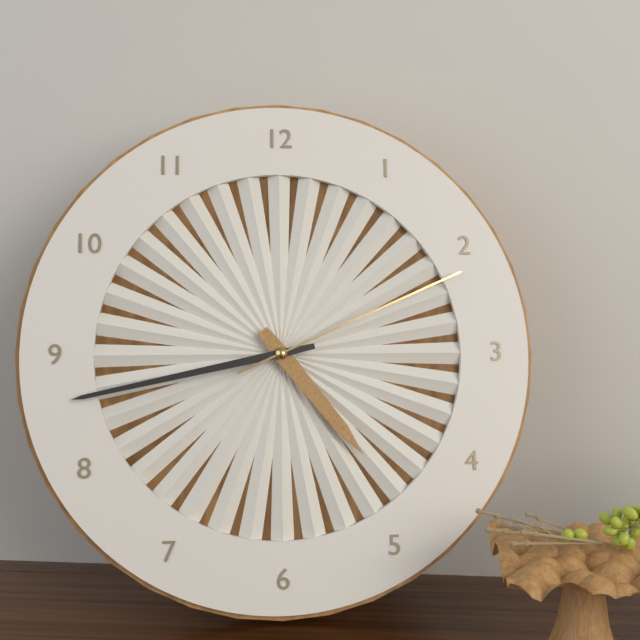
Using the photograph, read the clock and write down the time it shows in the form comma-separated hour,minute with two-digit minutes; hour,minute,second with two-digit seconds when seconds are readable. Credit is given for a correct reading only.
4,43,11
